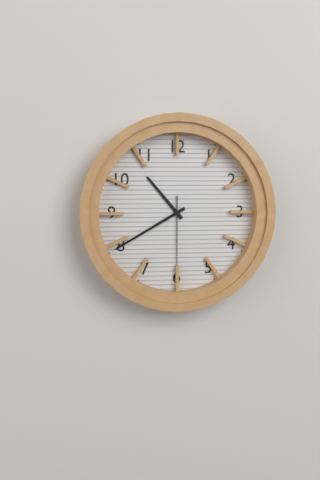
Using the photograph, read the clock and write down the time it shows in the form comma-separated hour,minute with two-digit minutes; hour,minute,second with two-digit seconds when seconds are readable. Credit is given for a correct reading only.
10,40
